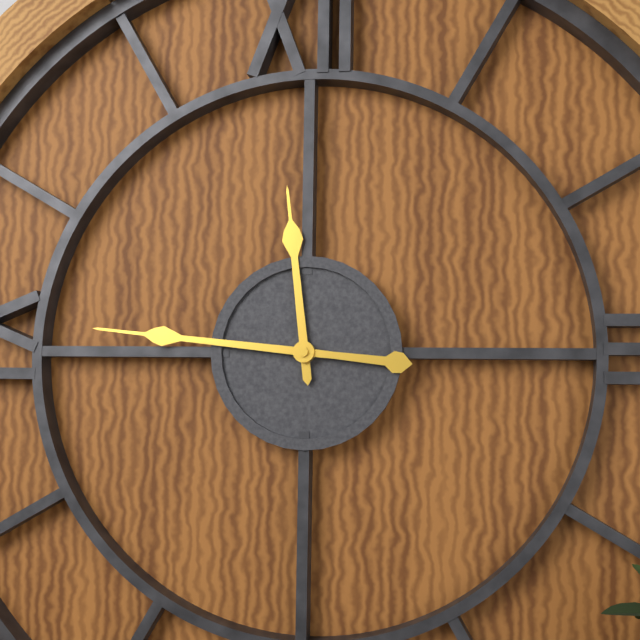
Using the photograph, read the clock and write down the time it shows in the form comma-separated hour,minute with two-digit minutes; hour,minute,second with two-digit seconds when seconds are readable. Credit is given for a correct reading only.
11,46
